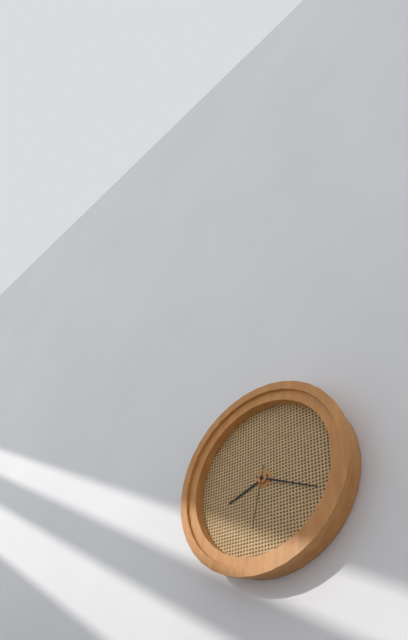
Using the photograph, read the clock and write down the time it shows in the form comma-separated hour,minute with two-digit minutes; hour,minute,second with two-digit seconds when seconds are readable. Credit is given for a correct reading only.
8,19,32
